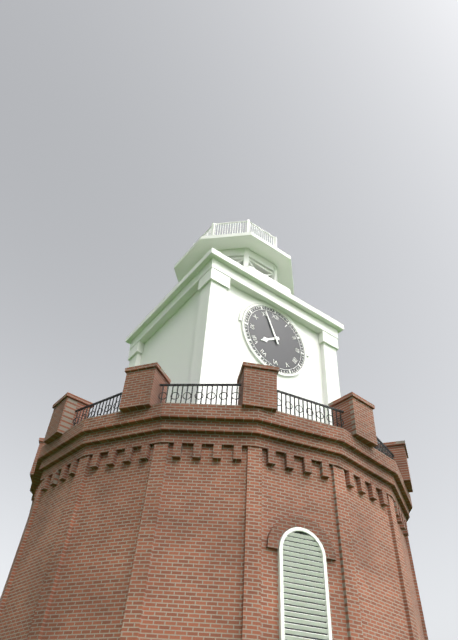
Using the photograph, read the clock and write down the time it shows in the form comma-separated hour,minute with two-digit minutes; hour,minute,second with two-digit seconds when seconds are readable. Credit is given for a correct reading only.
7,56
